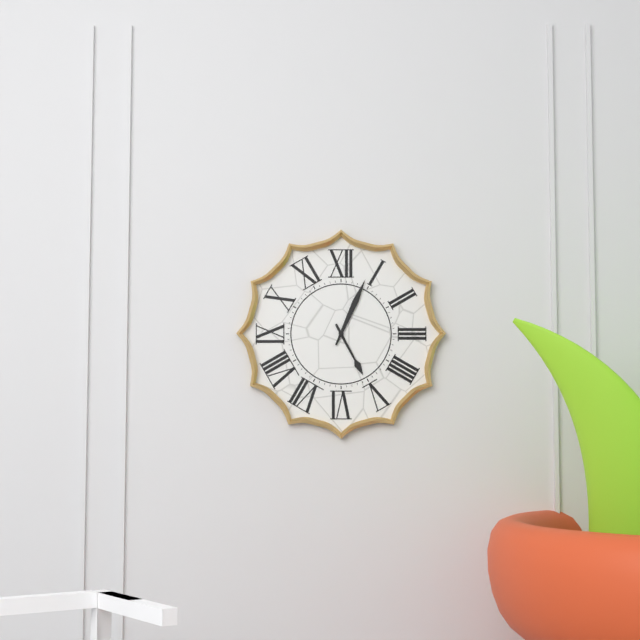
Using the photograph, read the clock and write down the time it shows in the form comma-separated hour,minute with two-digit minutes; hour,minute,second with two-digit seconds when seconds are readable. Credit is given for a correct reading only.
5,04
